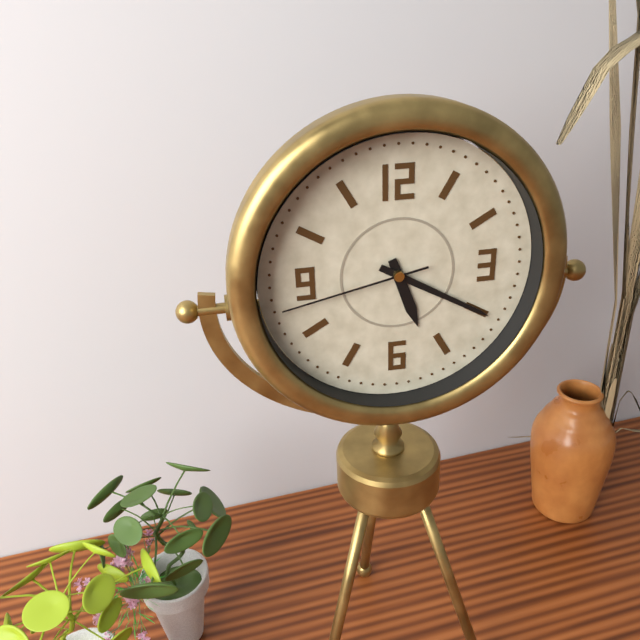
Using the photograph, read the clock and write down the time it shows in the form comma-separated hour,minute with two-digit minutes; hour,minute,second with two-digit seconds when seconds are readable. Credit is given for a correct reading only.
5,20,43
